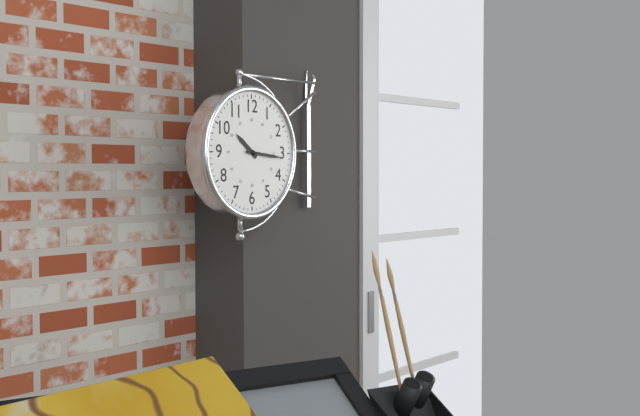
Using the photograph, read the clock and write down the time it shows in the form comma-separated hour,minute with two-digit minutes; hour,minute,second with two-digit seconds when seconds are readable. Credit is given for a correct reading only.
10,16
